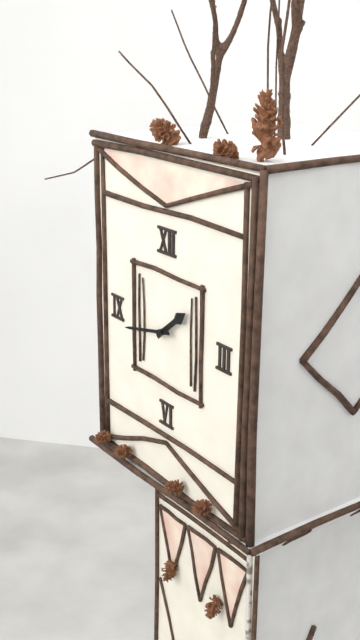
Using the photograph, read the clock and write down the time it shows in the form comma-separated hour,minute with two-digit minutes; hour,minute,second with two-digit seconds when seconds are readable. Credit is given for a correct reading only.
1,43
